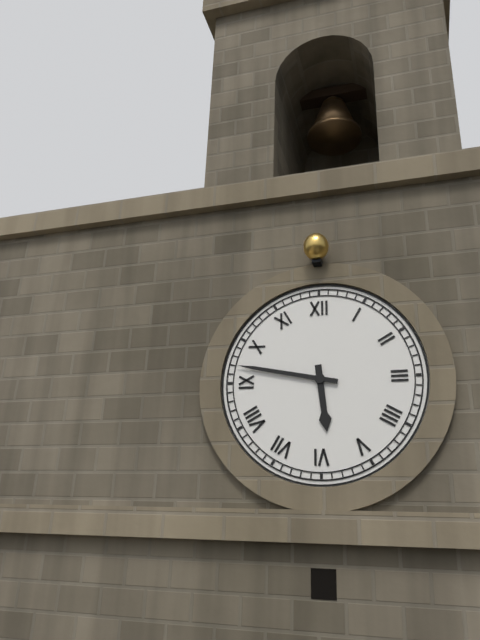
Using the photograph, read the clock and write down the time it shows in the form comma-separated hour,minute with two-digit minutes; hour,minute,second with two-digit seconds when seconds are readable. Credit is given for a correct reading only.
5,47
